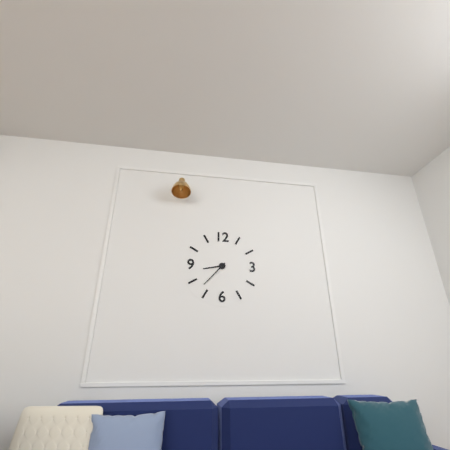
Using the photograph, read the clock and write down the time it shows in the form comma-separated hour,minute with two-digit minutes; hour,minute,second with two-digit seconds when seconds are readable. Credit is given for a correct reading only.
8,37
